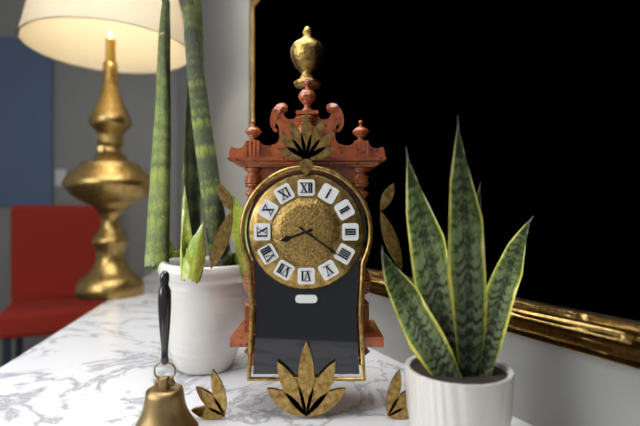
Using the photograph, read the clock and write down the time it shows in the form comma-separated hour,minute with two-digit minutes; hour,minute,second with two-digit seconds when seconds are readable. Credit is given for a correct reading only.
8,21
